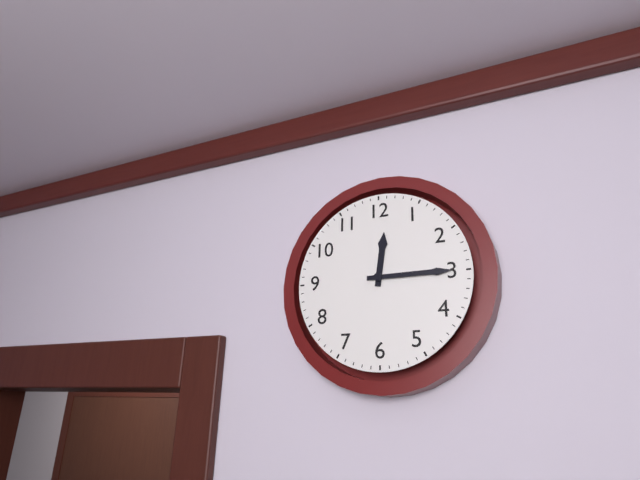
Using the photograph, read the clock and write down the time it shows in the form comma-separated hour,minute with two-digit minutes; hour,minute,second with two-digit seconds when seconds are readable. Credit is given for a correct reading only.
12,15
